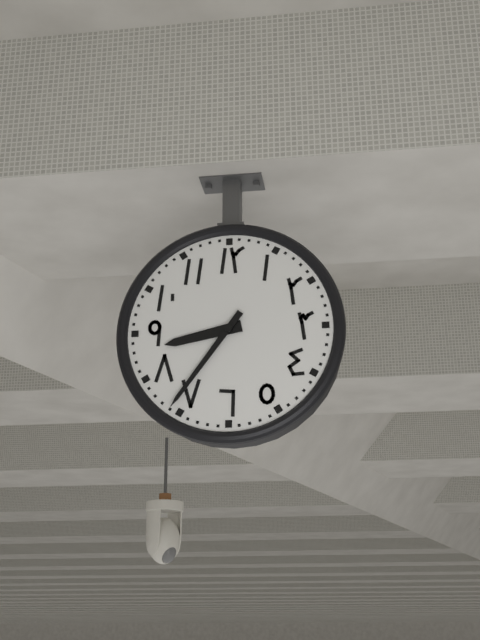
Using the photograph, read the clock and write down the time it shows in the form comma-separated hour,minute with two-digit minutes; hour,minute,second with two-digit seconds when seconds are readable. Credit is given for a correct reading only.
8,36
